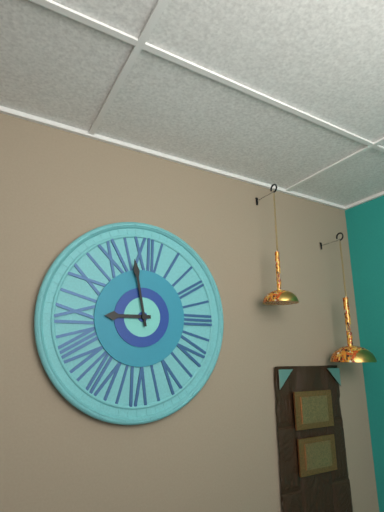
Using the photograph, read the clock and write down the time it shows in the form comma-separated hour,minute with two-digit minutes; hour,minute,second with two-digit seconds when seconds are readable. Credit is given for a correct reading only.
8,58
